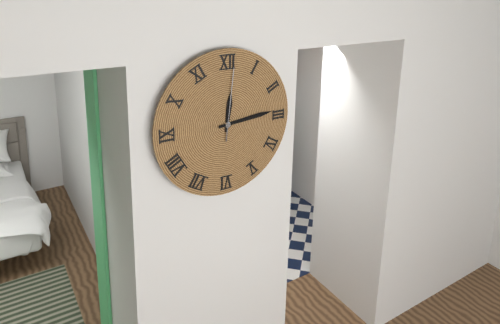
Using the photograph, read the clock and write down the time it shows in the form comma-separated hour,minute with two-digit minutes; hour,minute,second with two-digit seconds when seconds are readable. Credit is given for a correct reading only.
12,14,01
